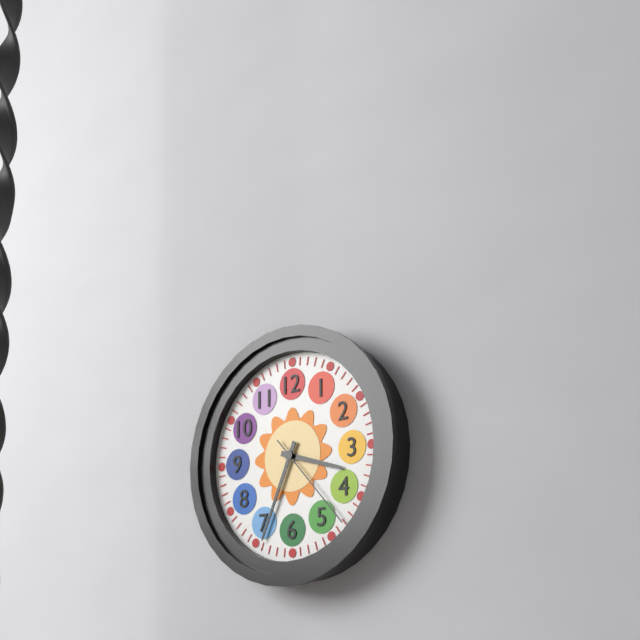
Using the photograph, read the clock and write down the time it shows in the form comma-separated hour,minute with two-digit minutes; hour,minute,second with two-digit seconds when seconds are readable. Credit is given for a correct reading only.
3,34,23
